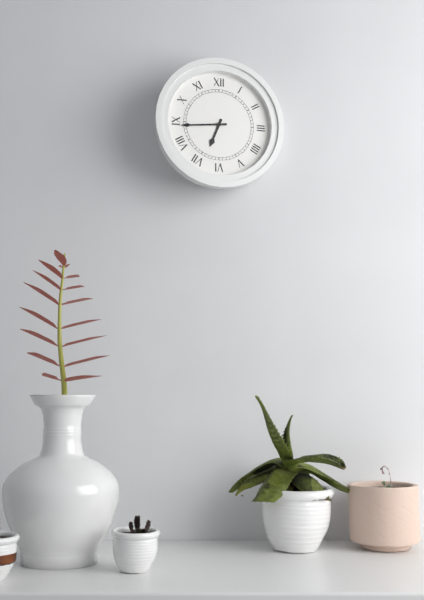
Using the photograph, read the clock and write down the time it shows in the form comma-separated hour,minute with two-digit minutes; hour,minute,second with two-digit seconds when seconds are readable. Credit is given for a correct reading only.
6,44
